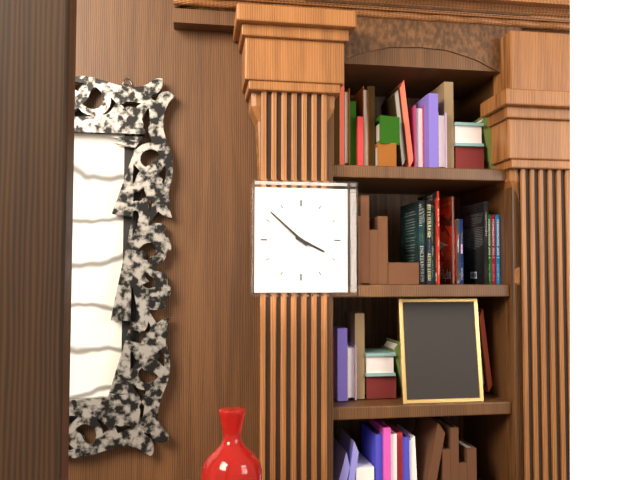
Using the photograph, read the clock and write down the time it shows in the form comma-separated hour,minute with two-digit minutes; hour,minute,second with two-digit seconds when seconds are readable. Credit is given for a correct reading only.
3,52
